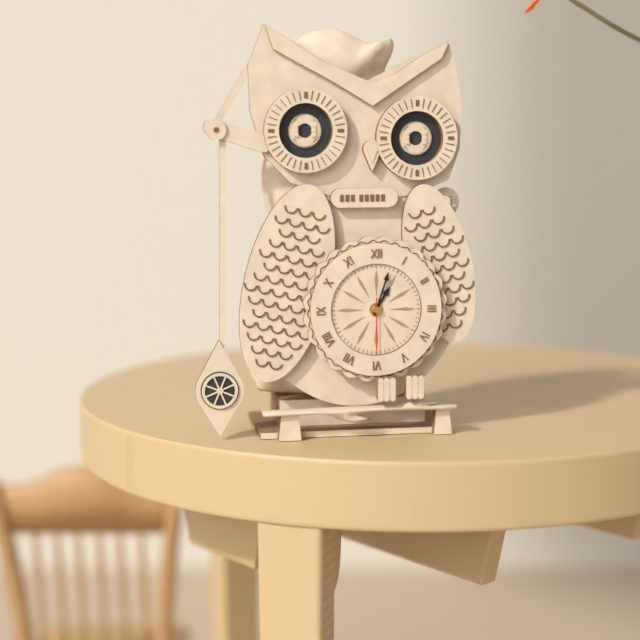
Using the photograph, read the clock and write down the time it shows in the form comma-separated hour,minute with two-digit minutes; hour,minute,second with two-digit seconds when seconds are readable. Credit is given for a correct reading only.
1,03,30
